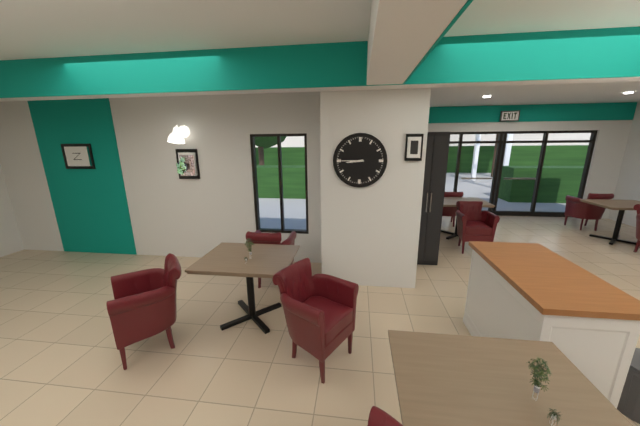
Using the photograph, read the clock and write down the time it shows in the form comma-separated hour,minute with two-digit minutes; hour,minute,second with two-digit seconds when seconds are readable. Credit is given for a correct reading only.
8,45
